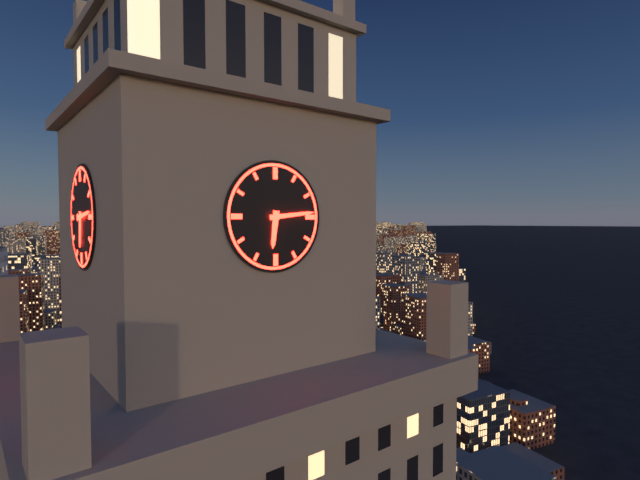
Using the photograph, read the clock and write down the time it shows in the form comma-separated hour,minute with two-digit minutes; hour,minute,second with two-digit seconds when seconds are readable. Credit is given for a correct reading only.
6,14
